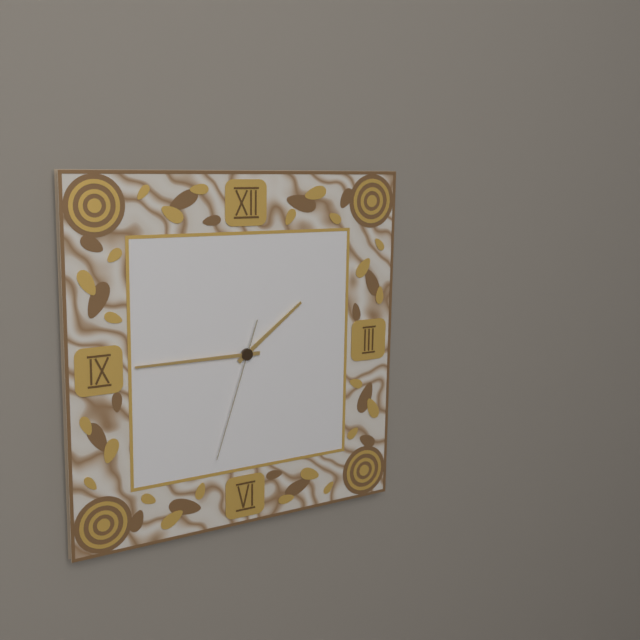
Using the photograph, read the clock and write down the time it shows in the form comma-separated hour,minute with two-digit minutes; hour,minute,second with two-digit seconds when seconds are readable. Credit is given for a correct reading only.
1,45,33
